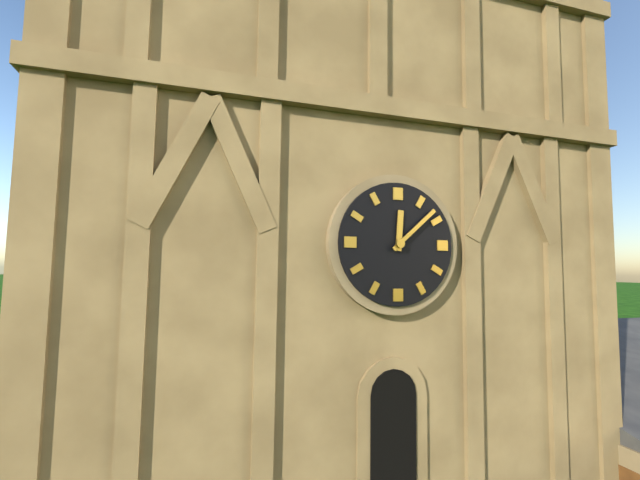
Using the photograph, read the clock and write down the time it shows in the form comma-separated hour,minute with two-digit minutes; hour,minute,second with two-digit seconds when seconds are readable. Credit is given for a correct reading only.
12,08
